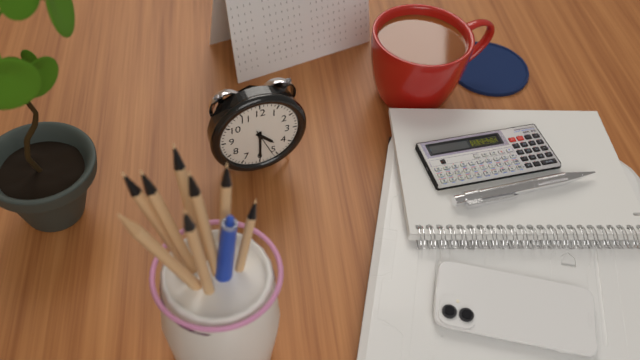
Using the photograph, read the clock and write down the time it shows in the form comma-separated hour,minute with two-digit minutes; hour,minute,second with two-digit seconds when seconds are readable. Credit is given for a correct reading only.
4,30
